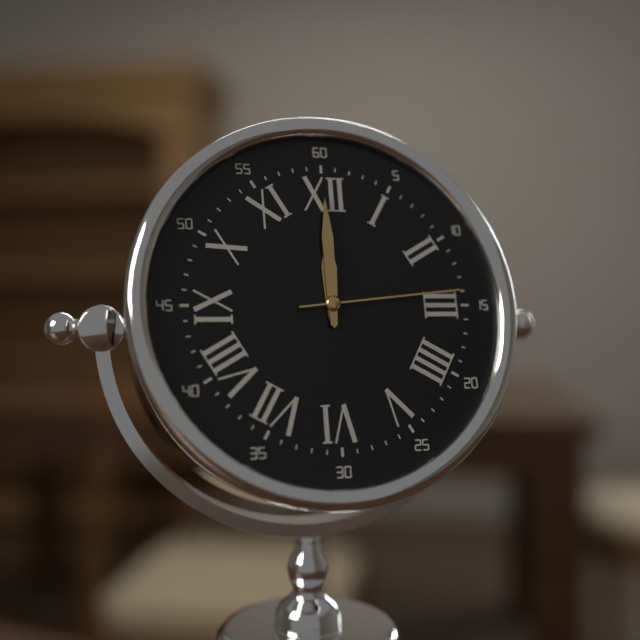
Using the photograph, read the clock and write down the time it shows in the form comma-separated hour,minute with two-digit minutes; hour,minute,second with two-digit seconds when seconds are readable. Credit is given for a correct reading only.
12,00,14
